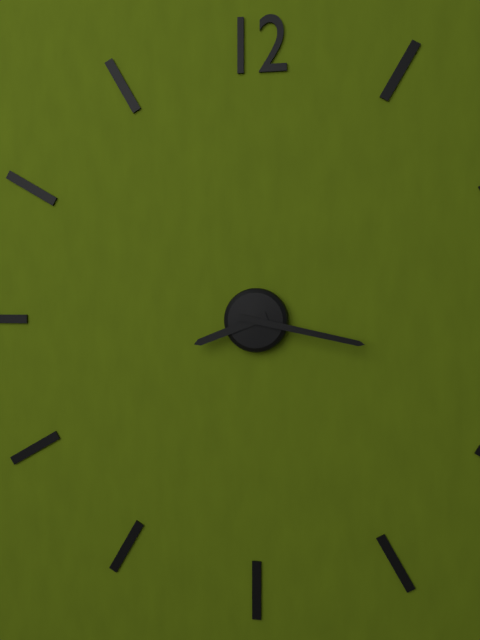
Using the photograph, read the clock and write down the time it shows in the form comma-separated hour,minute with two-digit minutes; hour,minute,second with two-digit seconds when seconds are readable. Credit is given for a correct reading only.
8,17
